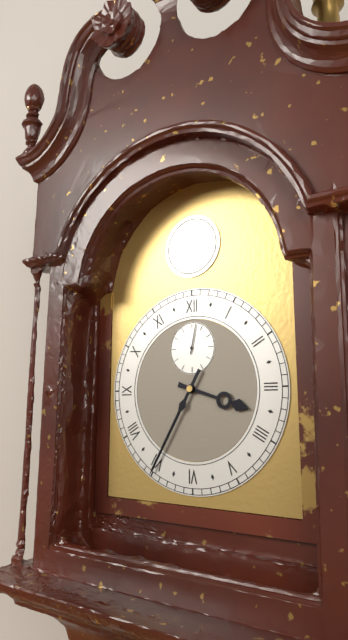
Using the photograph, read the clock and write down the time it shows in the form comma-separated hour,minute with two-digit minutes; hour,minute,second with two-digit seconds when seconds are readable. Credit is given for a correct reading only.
3,35
